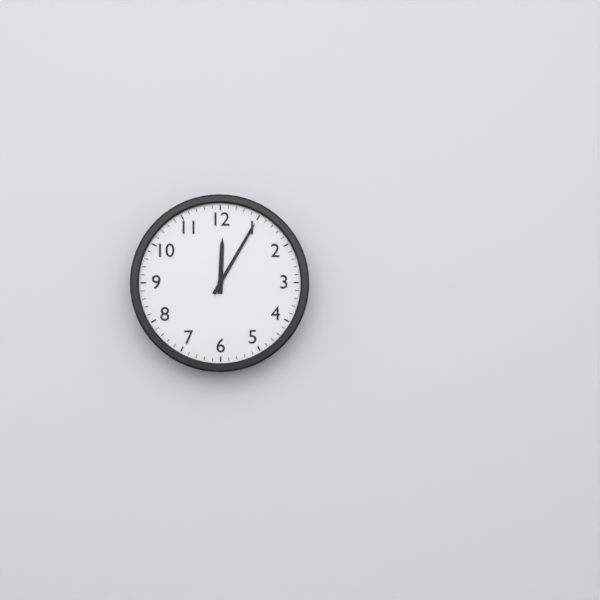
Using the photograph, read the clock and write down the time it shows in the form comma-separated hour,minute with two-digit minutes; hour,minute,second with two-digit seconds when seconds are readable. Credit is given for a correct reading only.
12,05
